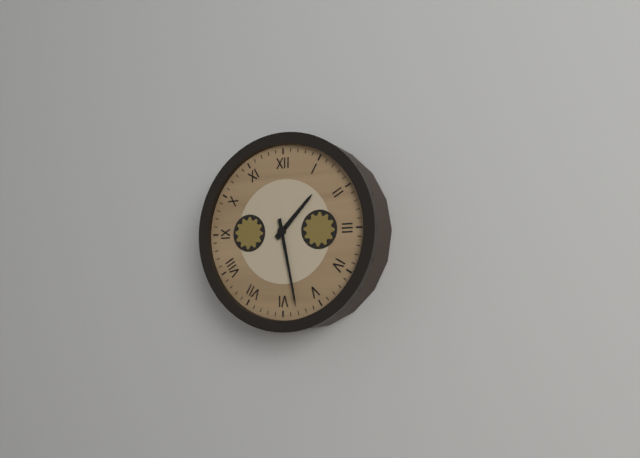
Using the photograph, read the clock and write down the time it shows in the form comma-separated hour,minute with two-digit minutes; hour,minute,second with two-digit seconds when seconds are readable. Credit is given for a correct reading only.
1,28
